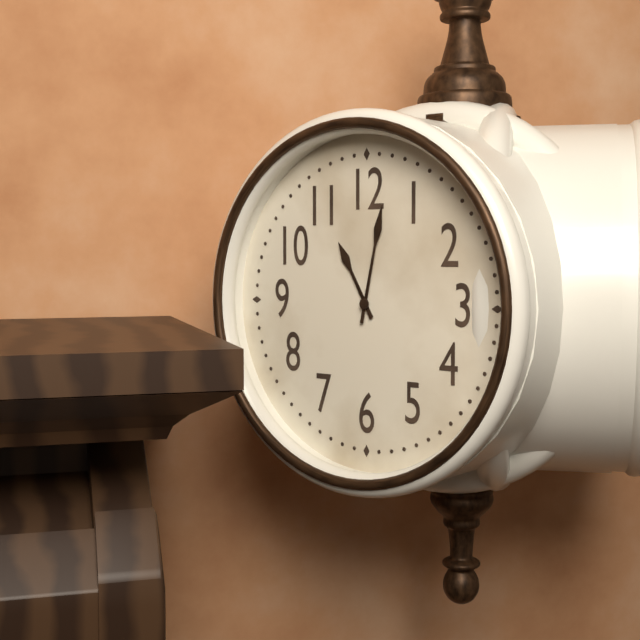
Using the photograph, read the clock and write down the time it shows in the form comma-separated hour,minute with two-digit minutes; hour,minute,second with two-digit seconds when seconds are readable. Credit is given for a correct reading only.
11,02
